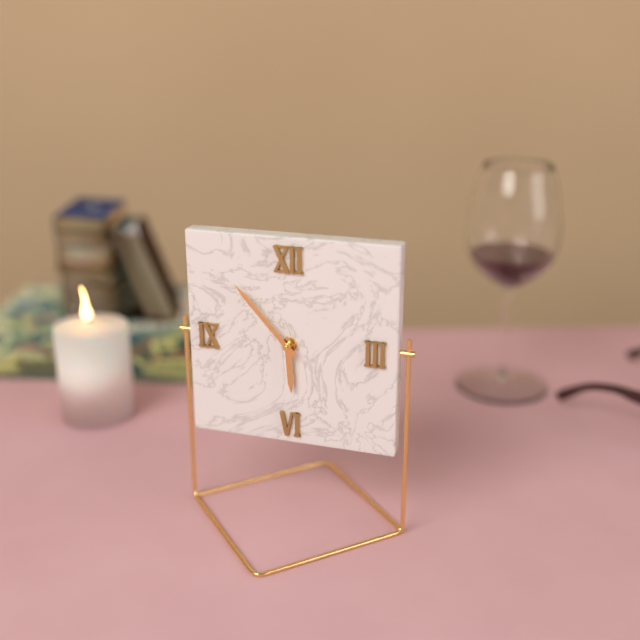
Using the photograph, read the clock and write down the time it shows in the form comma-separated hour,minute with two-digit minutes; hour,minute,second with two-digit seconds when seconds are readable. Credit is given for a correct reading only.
5,53
